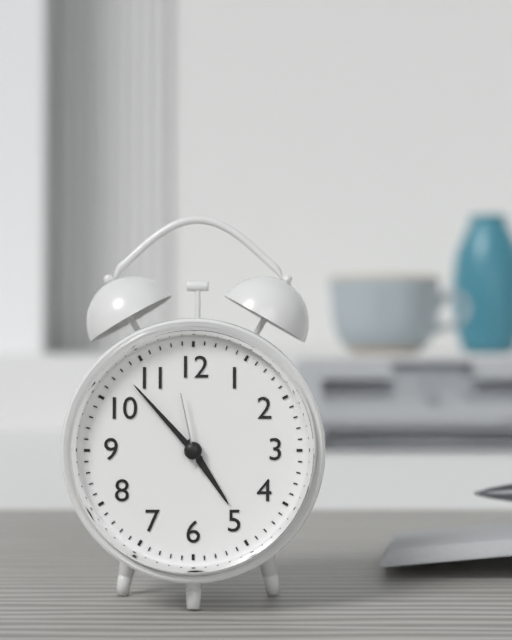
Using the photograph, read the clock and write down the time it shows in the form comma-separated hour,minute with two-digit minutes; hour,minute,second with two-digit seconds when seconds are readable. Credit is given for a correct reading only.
4,53,58
